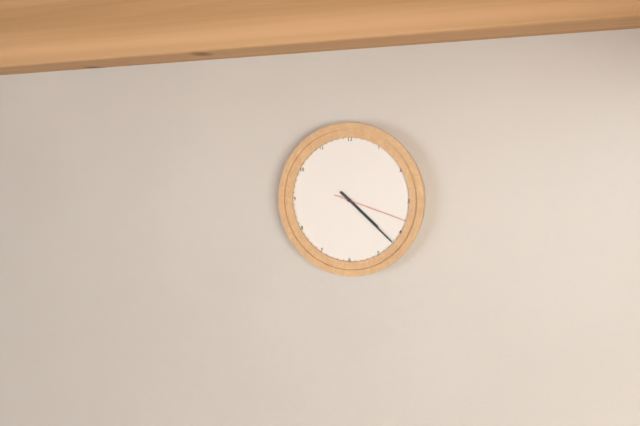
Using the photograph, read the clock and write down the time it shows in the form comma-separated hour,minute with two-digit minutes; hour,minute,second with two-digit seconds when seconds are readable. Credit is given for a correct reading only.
4,22,18
